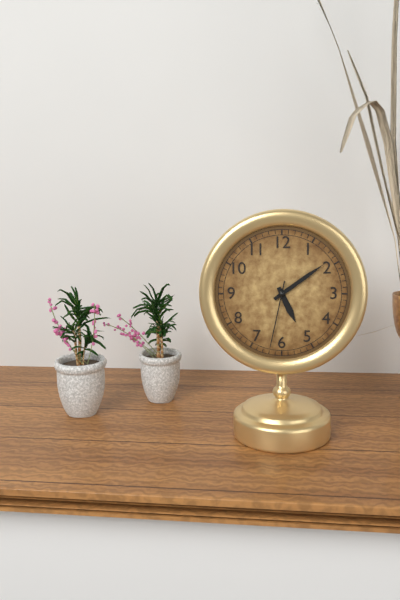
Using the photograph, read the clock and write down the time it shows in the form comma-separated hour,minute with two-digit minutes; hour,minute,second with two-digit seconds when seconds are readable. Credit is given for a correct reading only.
5,09,32
